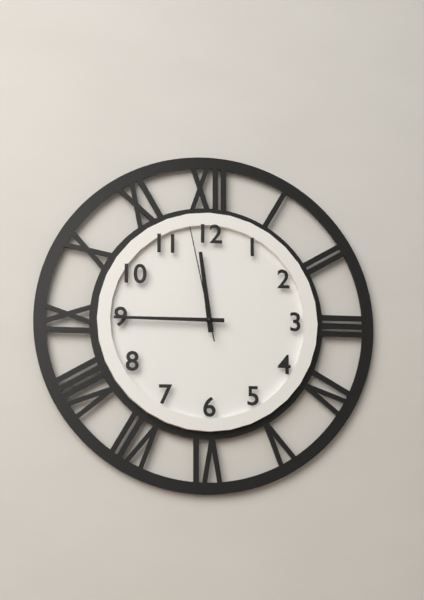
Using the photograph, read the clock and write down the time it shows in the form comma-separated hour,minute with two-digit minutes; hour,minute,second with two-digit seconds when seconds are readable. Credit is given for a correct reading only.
11,45,58
